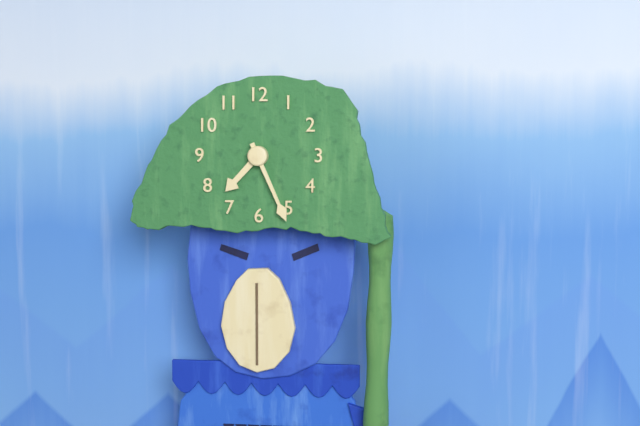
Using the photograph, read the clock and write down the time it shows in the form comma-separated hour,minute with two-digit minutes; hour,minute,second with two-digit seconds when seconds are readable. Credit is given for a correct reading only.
7,26
